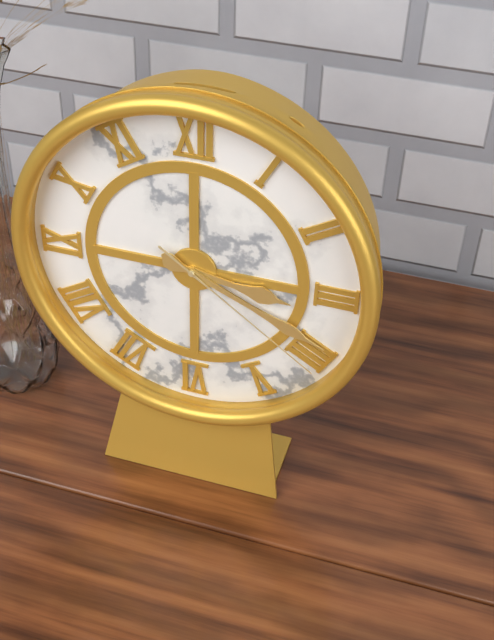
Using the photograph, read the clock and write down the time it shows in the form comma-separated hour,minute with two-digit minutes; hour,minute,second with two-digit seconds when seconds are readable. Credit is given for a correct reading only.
3,19,21
